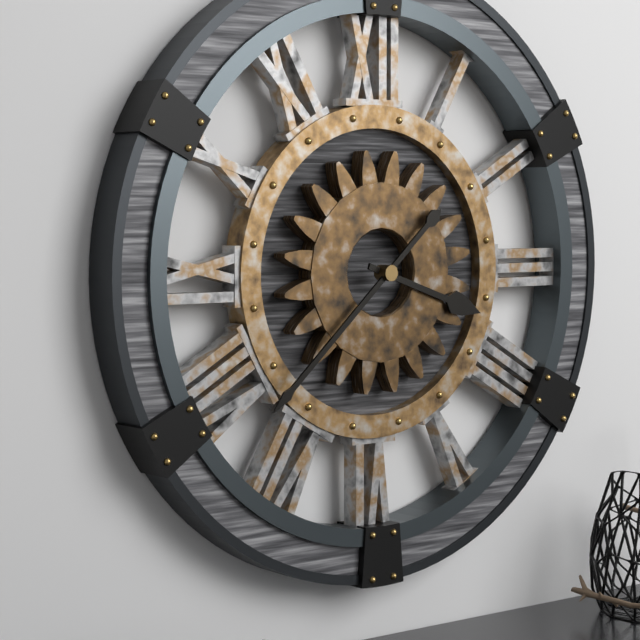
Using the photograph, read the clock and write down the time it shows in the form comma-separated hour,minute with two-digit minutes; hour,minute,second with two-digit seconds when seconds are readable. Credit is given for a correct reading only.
3,38
